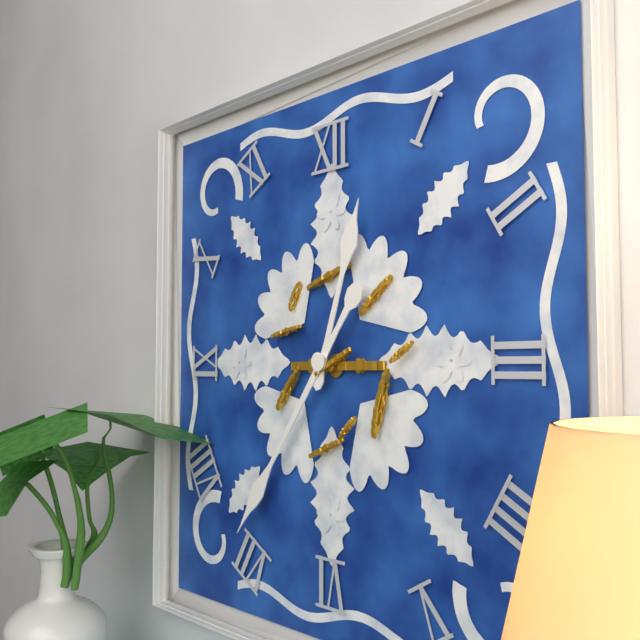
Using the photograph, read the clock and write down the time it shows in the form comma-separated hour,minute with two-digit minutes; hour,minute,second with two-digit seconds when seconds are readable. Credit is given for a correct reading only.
12,36
